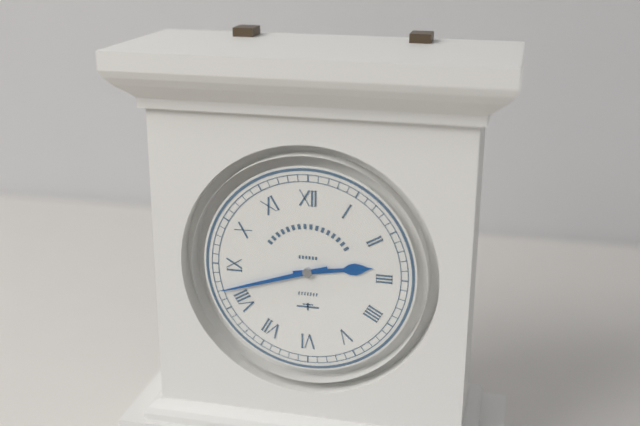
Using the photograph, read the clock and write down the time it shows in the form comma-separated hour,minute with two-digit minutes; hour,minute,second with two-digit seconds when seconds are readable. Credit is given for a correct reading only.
2,42
